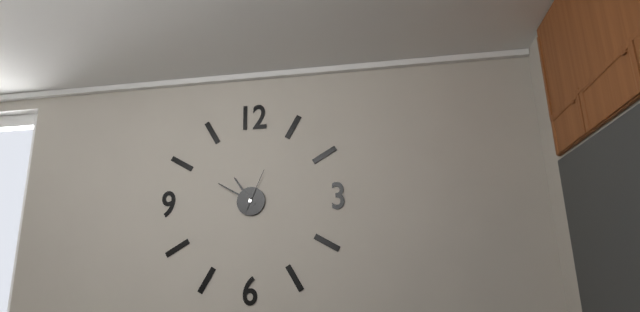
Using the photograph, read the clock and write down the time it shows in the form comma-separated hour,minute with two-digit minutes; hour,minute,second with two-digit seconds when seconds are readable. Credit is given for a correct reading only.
10,50
